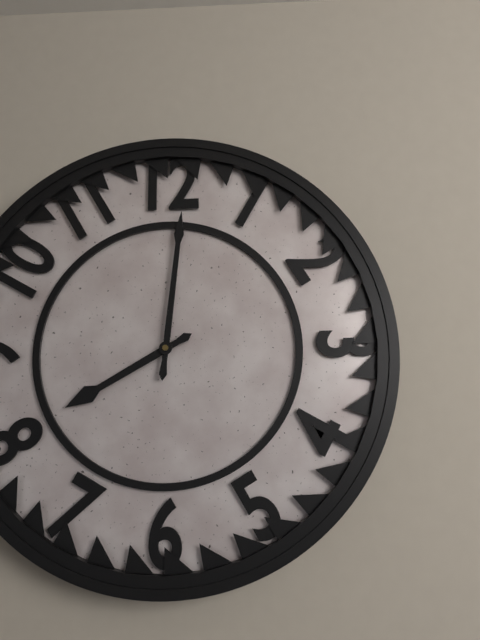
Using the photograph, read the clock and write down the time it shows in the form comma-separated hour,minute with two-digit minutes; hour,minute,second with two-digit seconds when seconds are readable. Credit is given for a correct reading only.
8,01
